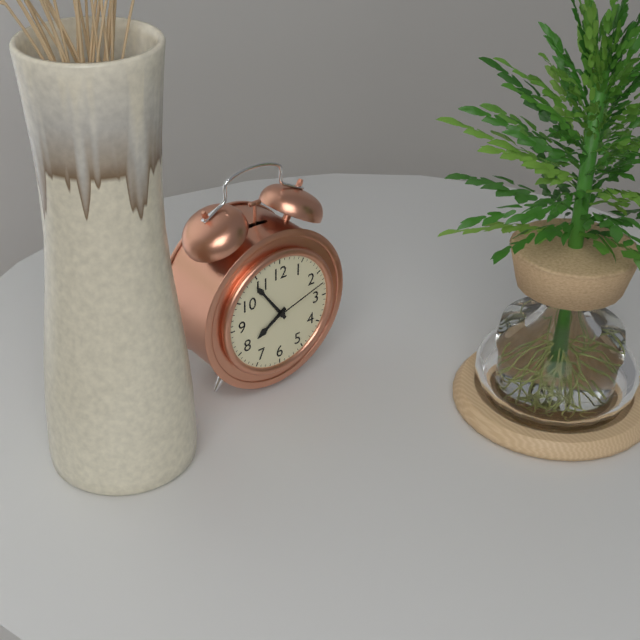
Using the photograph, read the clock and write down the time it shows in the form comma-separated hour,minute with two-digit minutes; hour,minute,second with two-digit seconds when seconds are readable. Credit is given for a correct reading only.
7,54,12
